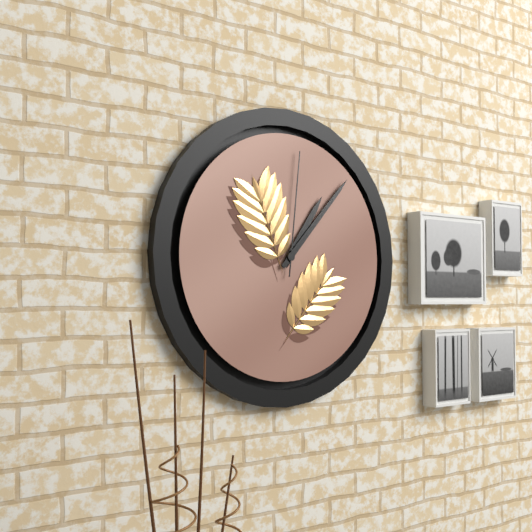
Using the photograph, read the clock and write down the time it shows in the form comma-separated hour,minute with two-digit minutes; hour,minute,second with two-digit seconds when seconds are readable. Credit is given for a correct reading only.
1,07,01
